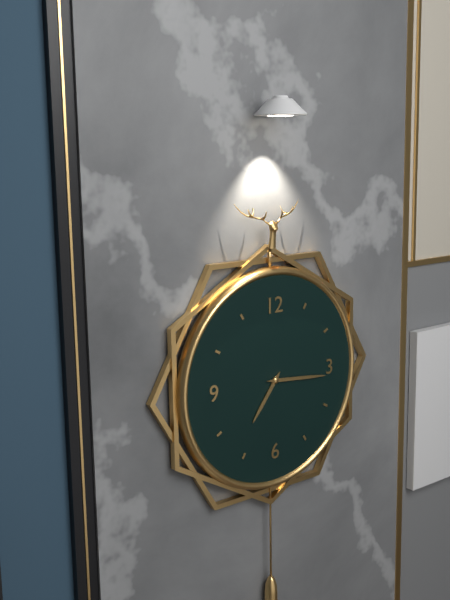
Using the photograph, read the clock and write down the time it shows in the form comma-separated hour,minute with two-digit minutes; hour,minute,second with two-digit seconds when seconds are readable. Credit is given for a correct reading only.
7,16
